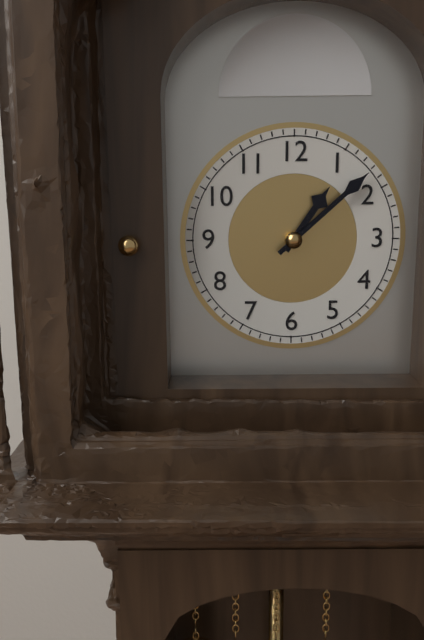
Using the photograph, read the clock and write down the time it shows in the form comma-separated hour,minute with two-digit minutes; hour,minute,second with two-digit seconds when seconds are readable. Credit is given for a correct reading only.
1,08
